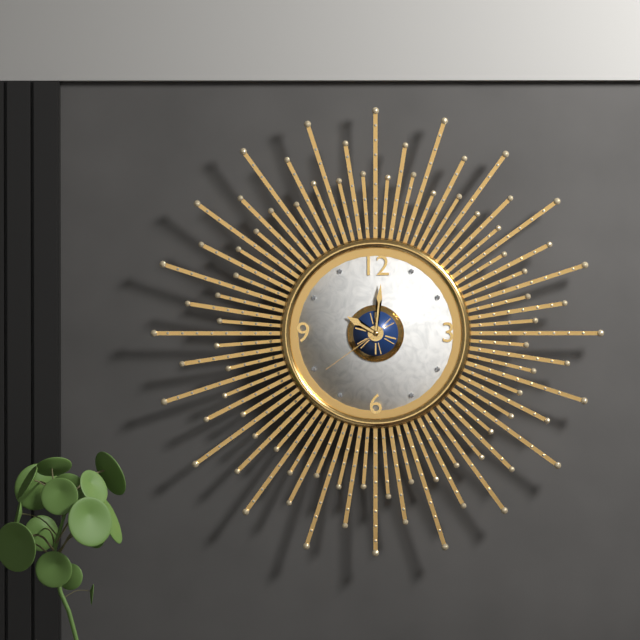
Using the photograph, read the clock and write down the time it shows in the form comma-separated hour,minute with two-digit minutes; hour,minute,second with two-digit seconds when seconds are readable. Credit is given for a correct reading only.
10,01,39
